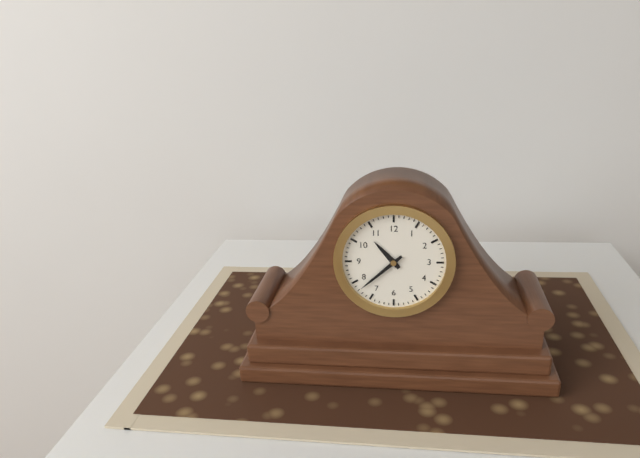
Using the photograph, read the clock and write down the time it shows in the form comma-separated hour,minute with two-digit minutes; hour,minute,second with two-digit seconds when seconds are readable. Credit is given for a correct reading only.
10,38
